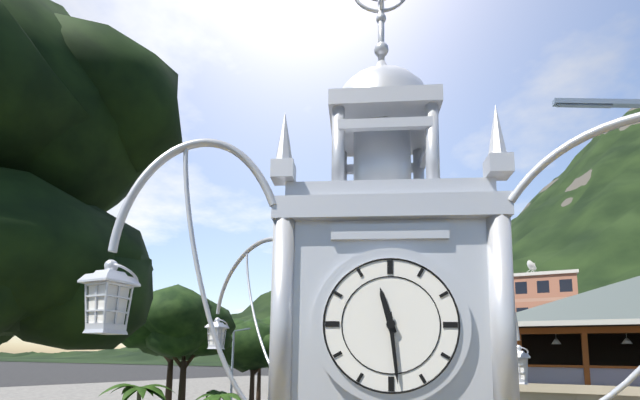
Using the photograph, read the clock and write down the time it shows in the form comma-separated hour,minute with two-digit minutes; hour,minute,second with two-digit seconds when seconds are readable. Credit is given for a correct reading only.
11,29
